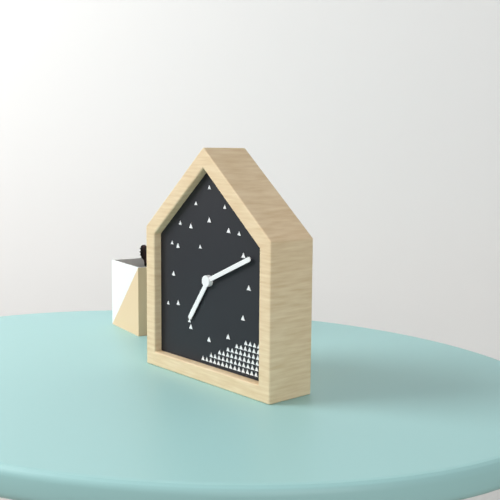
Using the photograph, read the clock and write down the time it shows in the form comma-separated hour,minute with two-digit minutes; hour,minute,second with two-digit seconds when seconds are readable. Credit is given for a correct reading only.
7,11
